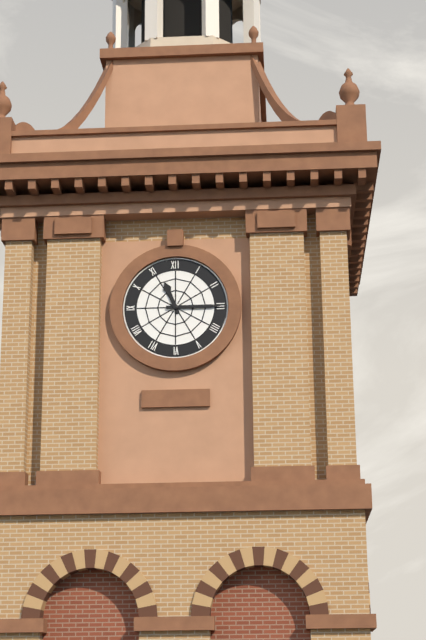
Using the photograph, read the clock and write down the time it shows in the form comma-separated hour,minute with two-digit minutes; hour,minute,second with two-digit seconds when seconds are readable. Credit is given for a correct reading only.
11,15
